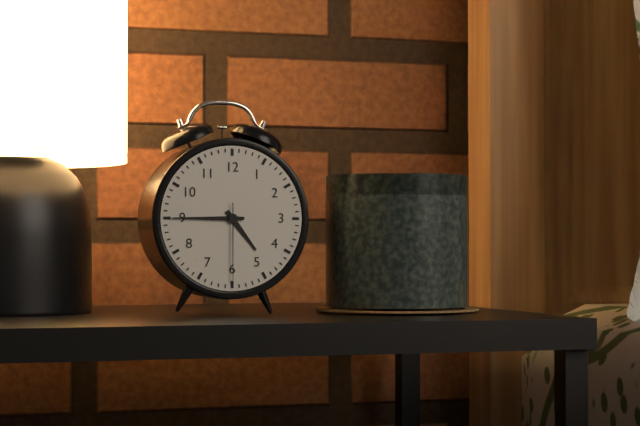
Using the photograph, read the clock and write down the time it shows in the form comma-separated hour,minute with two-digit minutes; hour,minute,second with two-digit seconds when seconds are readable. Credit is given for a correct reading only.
4,45,30
